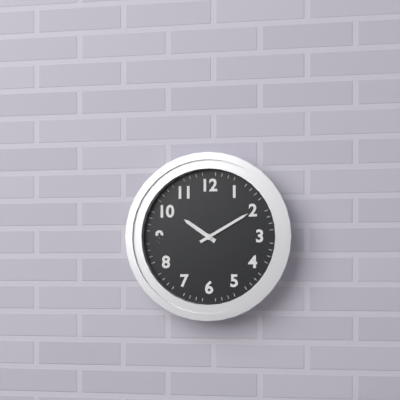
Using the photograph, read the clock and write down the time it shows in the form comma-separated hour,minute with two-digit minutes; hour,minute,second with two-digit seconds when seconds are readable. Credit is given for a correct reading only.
10,10
